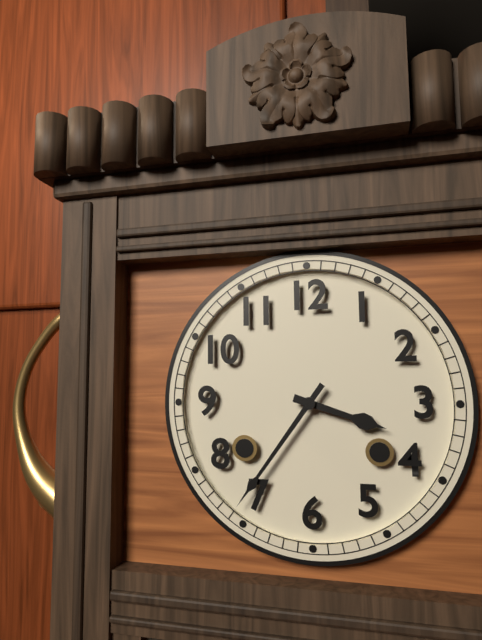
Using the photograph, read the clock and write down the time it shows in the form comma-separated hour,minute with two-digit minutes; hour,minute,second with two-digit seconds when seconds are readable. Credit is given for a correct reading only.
3,36
